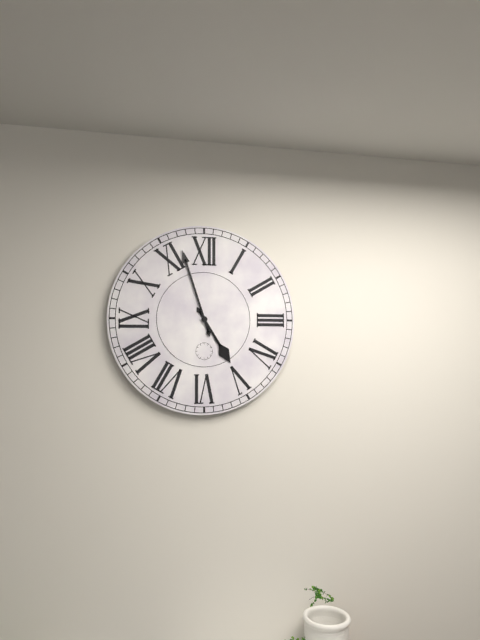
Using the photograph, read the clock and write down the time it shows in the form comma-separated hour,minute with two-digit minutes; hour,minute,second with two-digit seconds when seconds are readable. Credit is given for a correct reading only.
4,57
